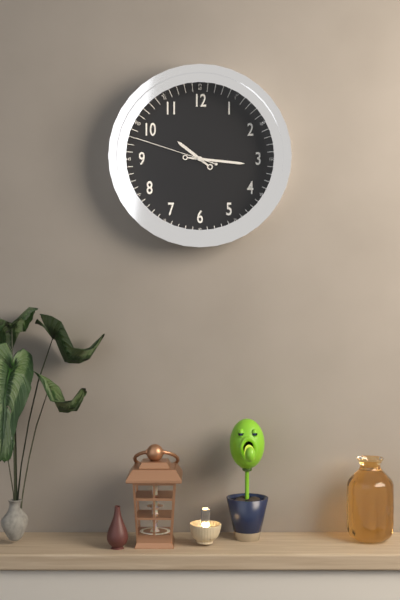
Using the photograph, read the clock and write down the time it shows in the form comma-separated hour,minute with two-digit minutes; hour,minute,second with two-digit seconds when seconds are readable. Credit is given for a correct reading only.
10,16,48
